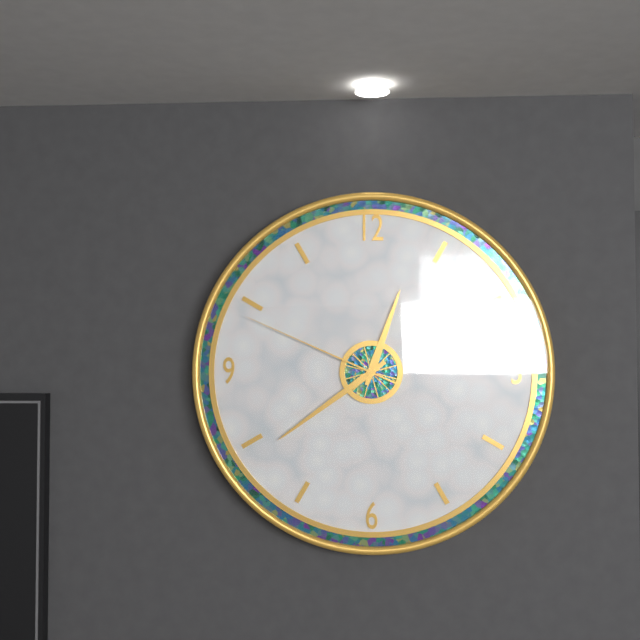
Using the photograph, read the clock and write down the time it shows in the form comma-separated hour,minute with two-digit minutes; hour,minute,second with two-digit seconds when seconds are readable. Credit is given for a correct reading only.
12,39,49
